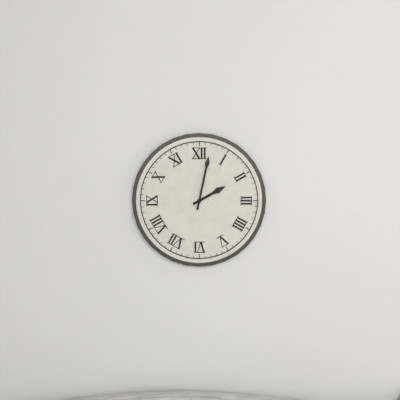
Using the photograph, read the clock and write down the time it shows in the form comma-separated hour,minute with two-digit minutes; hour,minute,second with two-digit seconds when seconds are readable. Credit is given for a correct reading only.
2,02
